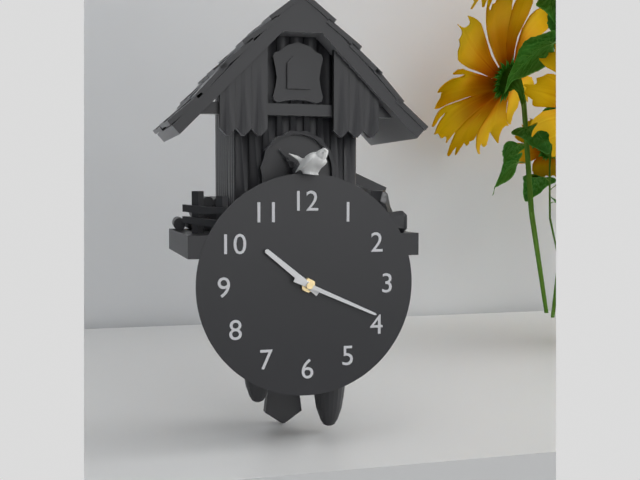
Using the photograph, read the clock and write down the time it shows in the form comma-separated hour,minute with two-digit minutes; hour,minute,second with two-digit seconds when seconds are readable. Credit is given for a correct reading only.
10,19
